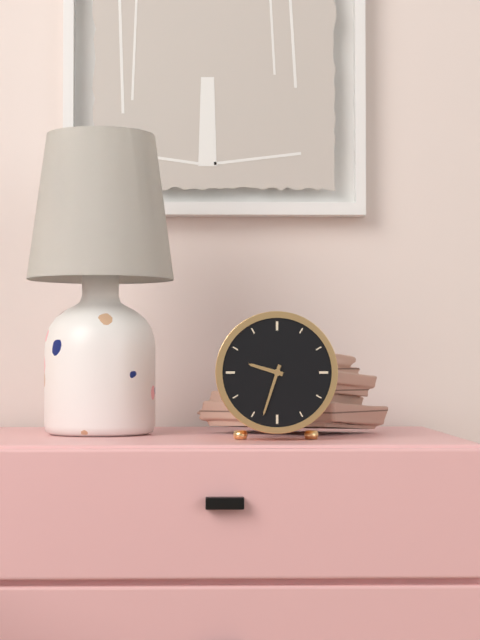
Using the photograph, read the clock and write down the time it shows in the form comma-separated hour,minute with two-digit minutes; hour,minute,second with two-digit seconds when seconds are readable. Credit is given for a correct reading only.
9,33
